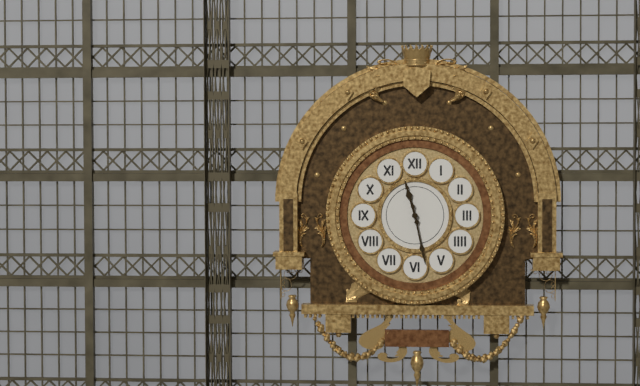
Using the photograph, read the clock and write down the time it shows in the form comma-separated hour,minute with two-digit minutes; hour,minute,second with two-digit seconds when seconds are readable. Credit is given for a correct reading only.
11,28
